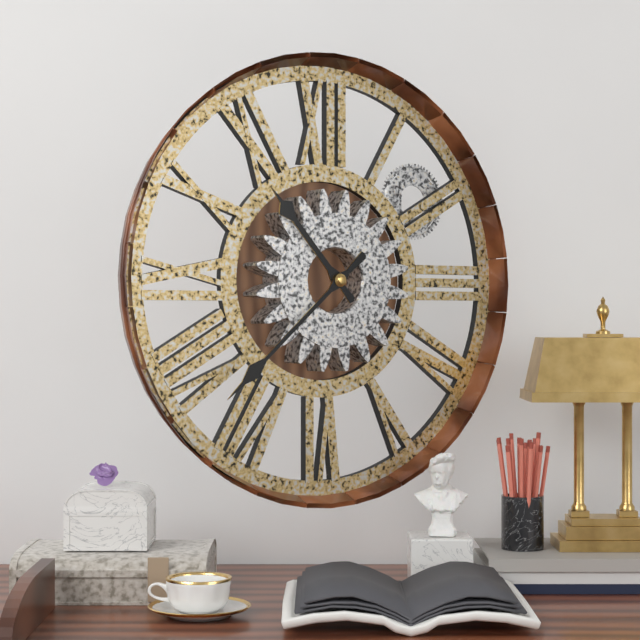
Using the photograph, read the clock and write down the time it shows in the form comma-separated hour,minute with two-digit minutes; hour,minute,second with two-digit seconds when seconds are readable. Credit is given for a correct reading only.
10,38
